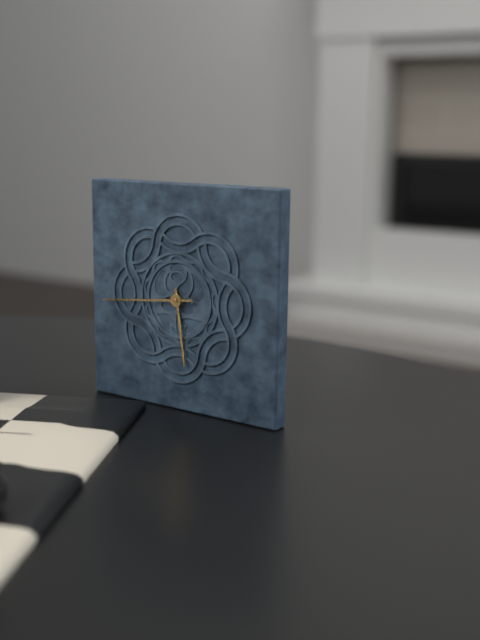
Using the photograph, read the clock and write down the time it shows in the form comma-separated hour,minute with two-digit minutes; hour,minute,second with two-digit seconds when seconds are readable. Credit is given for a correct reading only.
5,44
